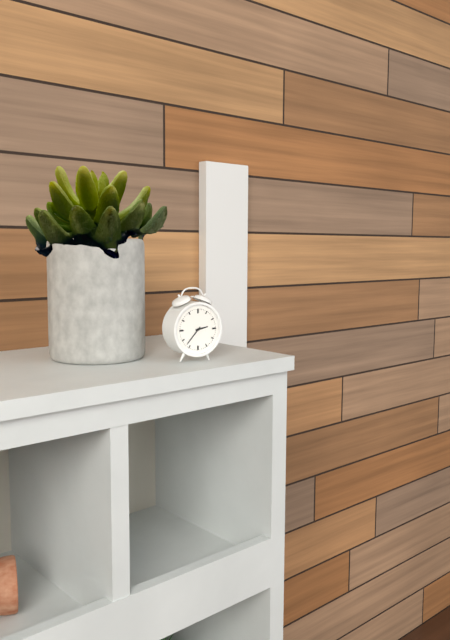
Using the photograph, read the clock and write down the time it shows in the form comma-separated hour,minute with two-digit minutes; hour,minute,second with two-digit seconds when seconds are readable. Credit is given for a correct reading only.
2,37
